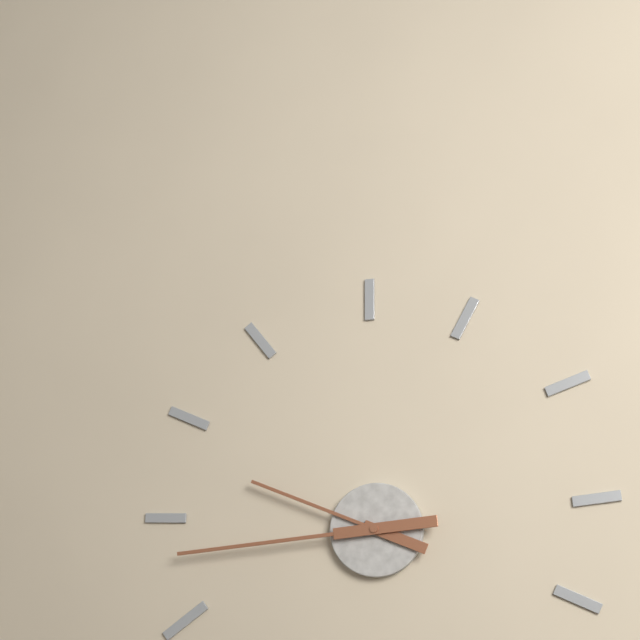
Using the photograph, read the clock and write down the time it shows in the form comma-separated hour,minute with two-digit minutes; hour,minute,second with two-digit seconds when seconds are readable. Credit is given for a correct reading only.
9,44
